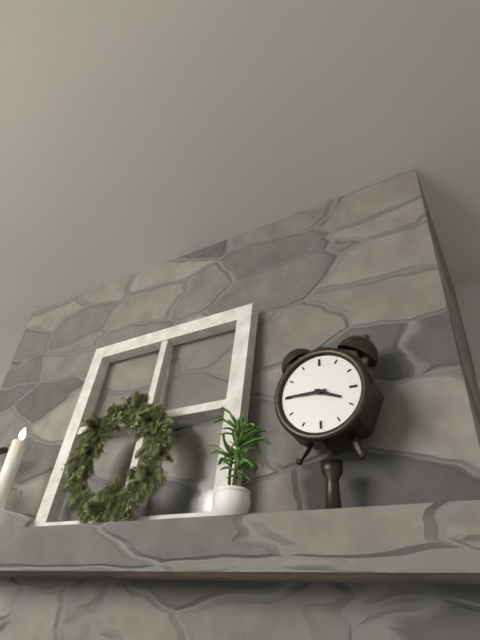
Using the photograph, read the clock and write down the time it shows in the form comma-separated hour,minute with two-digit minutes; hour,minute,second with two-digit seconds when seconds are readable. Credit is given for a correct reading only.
3,45
